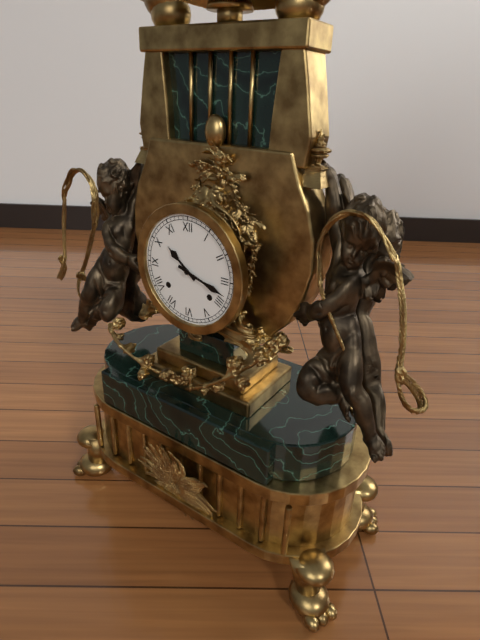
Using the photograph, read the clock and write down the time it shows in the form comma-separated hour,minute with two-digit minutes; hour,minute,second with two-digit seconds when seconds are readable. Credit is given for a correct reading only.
10,18
